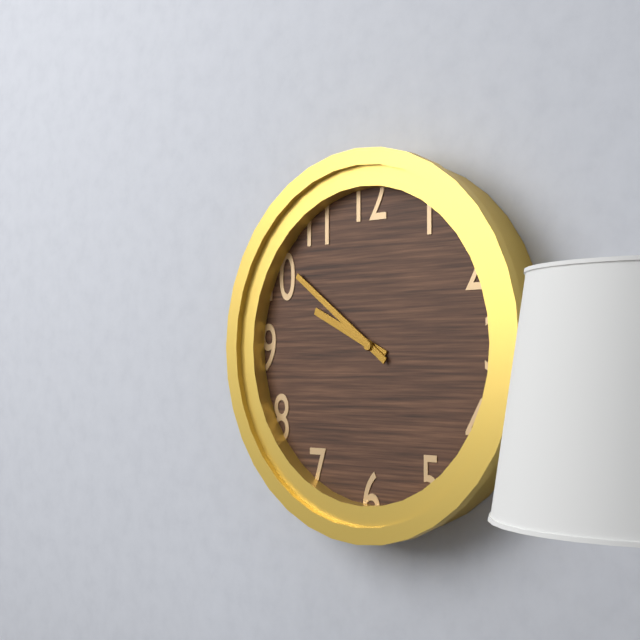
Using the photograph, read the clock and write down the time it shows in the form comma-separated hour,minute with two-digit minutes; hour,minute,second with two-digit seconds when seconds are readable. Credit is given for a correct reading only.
9,51
